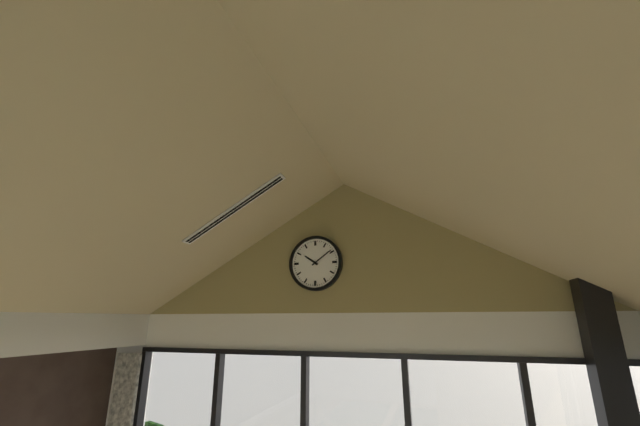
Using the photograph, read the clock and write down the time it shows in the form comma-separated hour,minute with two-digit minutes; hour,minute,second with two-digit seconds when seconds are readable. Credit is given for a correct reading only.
10,09
